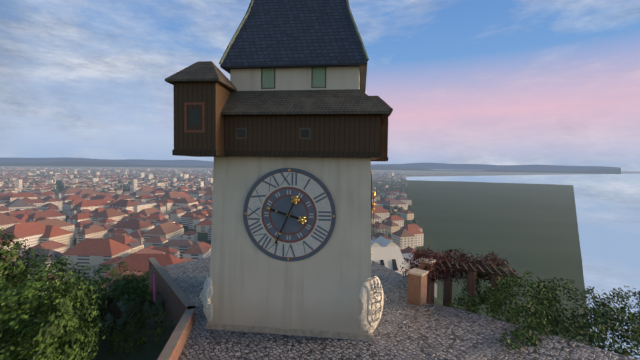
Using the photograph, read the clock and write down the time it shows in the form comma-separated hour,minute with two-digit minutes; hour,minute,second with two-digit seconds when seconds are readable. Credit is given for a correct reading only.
9,34
